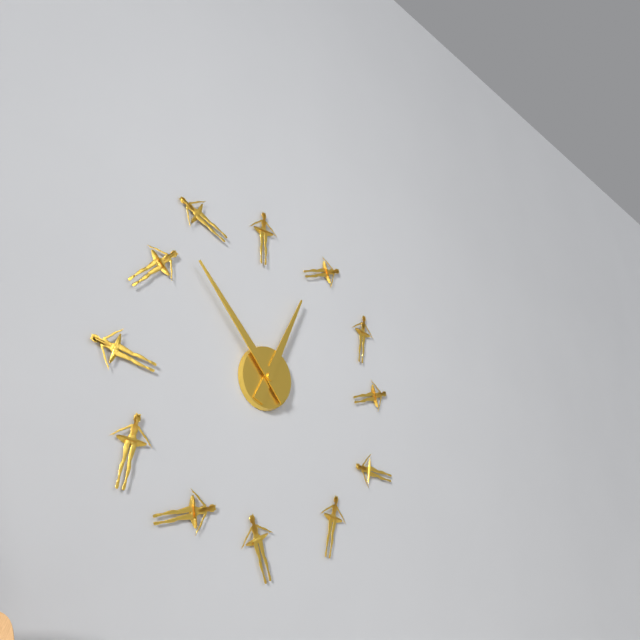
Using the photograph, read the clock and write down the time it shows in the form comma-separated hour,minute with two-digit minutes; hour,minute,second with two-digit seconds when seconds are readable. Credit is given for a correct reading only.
12,53
